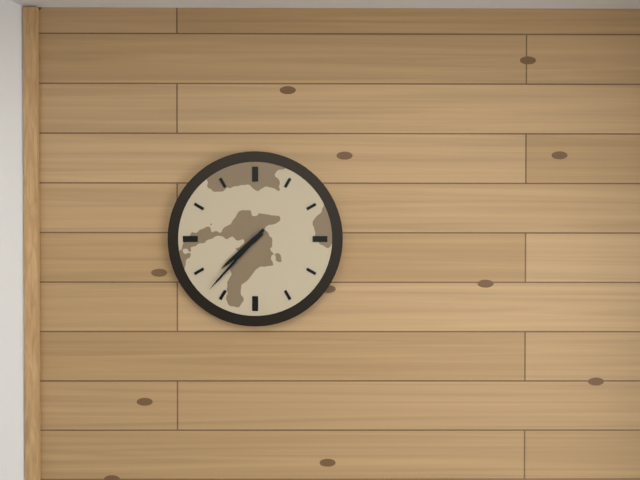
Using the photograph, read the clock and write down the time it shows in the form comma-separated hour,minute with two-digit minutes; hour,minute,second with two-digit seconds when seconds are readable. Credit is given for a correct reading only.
7,37
